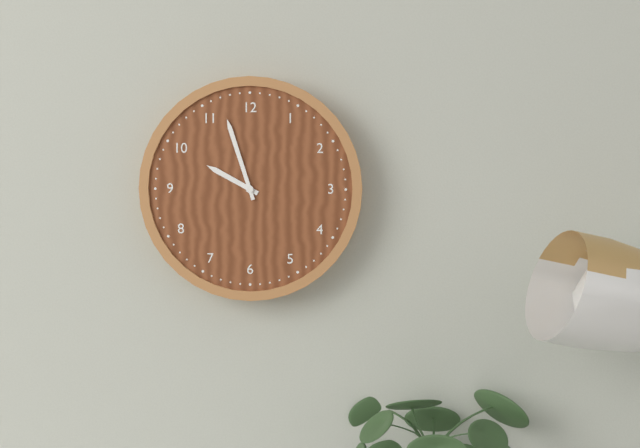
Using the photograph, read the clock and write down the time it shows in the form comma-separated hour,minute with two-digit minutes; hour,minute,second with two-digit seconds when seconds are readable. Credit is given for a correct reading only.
9,57
